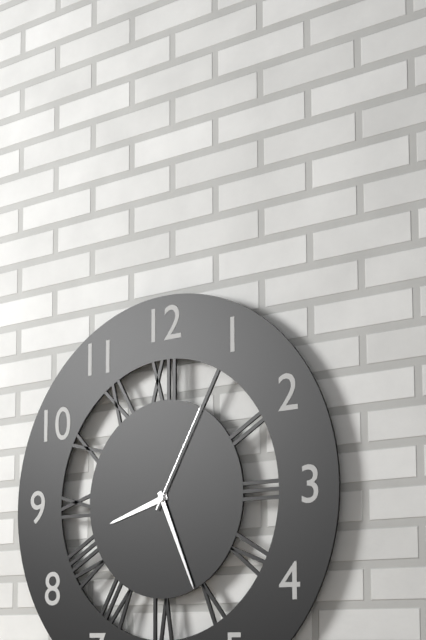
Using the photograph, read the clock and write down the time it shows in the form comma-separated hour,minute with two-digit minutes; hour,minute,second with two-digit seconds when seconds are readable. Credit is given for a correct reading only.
8,26,05
